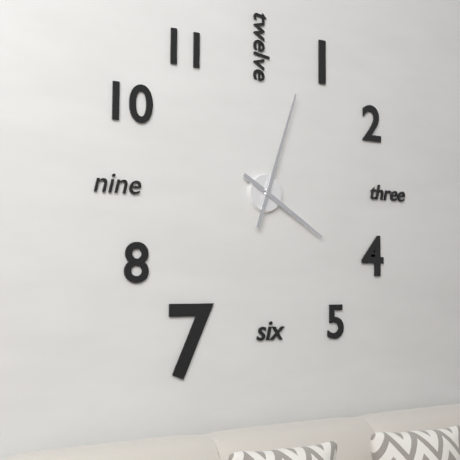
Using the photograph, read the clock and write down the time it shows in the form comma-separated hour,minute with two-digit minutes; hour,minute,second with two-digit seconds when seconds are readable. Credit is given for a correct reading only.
4,03
